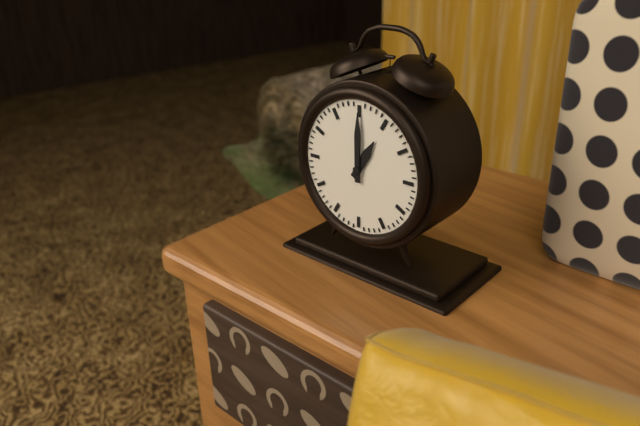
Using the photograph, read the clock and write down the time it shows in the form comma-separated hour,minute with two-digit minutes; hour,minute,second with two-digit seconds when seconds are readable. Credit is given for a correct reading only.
1,00
